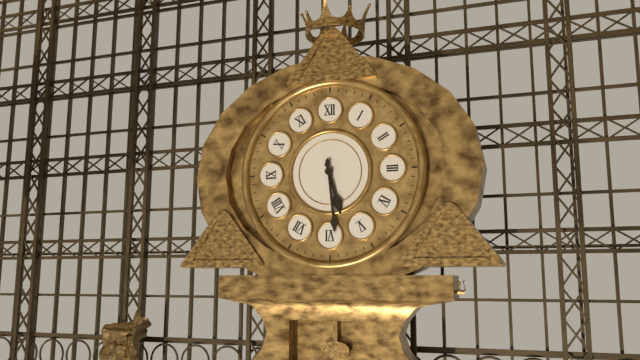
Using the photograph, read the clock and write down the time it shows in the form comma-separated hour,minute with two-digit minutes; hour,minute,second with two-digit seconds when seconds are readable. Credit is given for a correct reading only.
5,29
